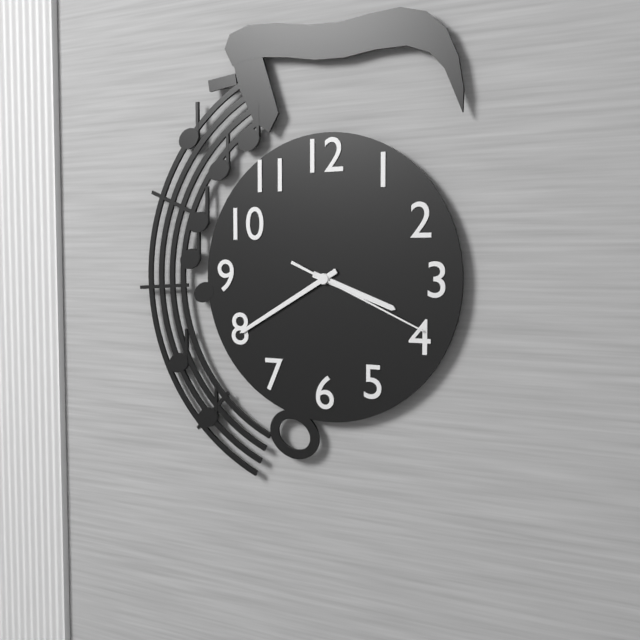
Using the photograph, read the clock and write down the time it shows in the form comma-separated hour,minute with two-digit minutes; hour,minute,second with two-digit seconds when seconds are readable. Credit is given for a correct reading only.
3,40,19
